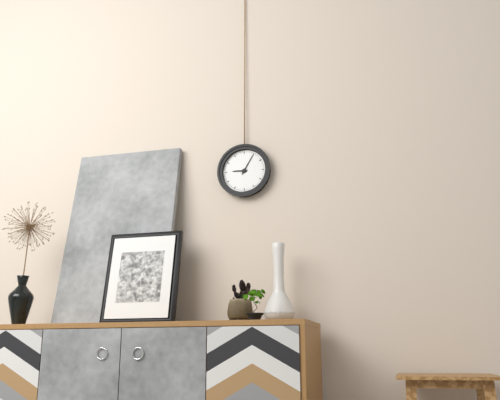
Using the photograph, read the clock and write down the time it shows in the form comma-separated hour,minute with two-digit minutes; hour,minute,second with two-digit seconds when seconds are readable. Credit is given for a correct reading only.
9,05
